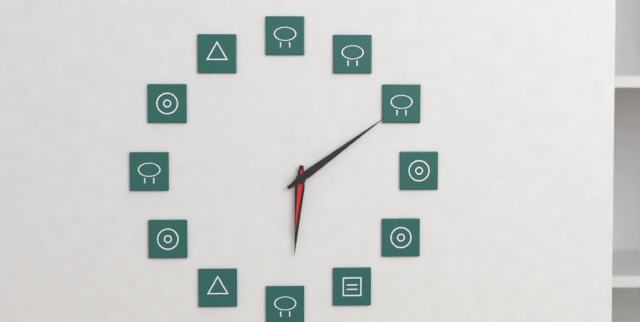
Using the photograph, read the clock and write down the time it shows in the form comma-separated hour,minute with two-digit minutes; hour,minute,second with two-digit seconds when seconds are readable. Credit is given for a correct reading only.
6,09,31
